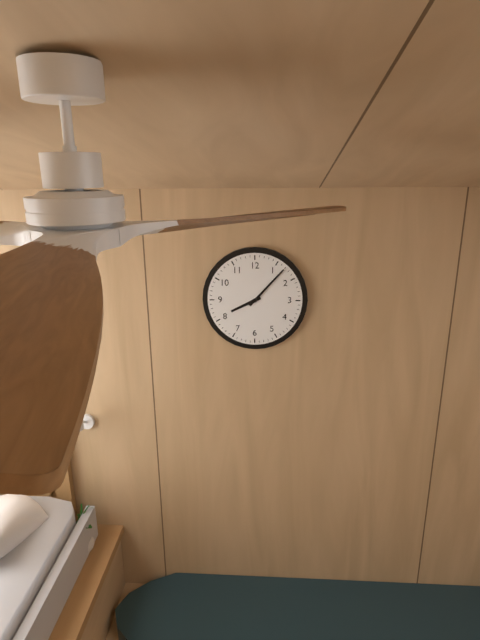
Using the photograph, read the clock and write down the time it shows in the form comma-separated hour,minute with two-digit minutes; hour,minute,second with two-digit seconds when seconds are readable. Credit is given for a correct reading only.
8,07
